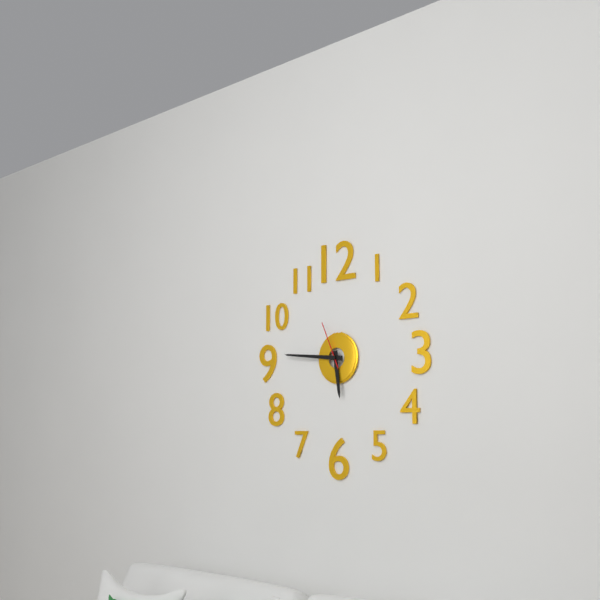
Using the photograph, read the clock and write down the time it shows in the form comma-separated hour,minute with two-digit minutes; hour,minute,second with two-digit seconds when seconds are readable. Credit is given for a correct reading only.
5,46
